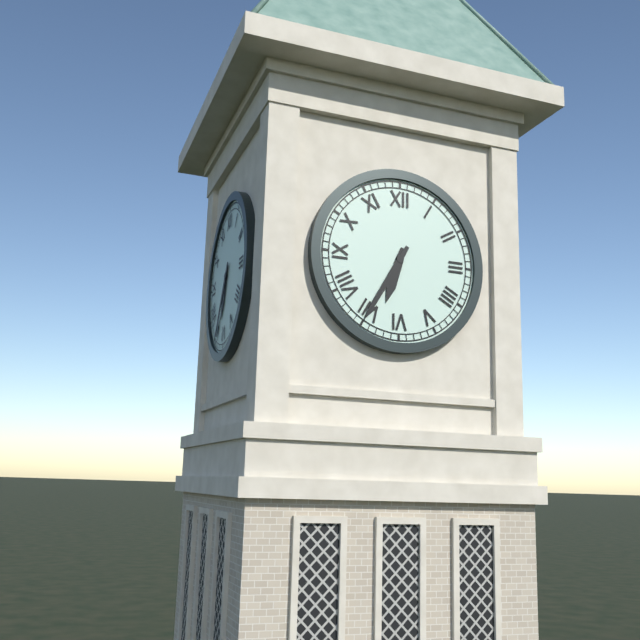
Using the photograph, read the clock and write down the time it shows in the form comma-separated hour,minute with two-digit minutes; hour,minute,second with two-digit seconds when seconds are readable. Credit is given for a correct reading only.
6,35
